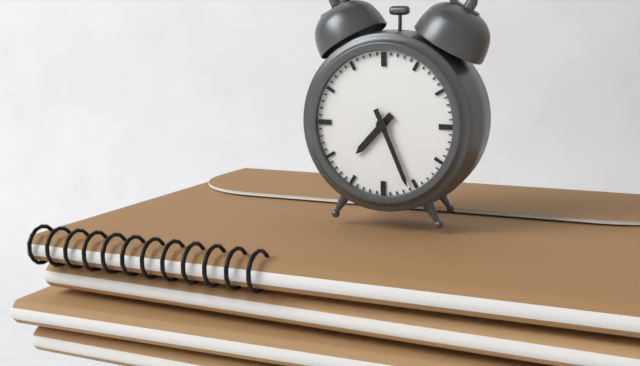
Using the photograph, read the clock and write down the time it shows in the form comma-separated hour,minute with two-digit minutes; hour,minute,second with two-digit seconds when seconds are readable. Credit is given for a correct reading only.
7,26
